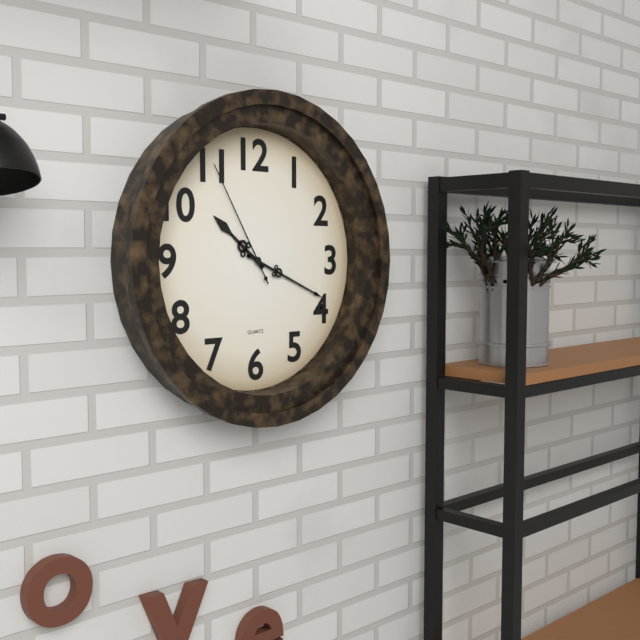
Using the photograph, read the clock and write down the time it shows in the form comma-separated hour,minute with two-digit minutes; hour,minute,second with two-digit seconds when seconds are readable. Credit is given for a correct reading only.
10,19,55
